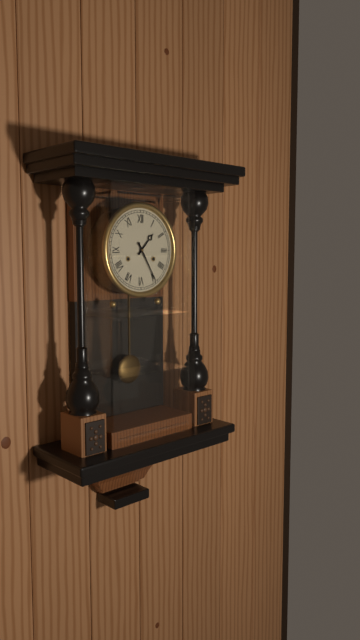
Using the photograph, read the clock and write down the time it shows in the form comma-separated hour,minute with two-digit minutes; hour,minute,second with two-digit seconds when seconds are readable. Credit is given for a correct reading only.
1,25
